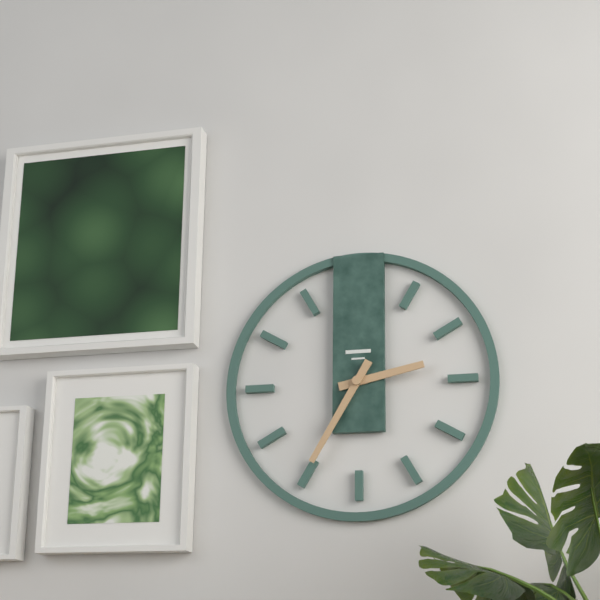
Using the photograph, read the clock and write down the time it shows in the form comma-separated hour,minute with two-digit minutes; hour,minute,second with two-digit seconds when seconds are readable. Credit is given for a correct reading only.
2,35
